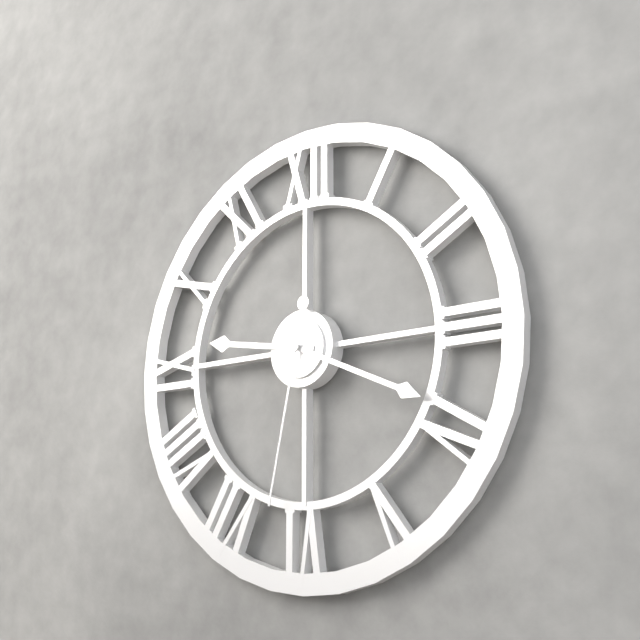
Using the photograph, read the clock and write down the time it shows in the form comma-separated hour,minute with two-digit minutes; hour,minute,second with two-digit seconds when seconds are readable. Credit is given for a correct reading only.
9,19,32
